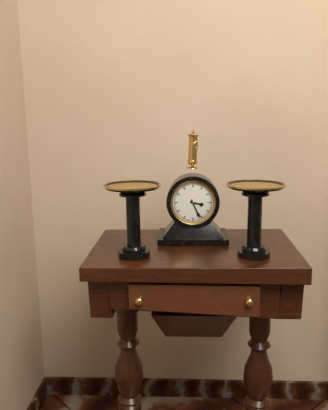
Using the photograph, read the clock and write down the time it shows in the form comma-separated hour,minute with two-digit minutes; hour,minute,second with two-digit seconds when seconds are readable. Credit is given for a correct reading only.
3,26
